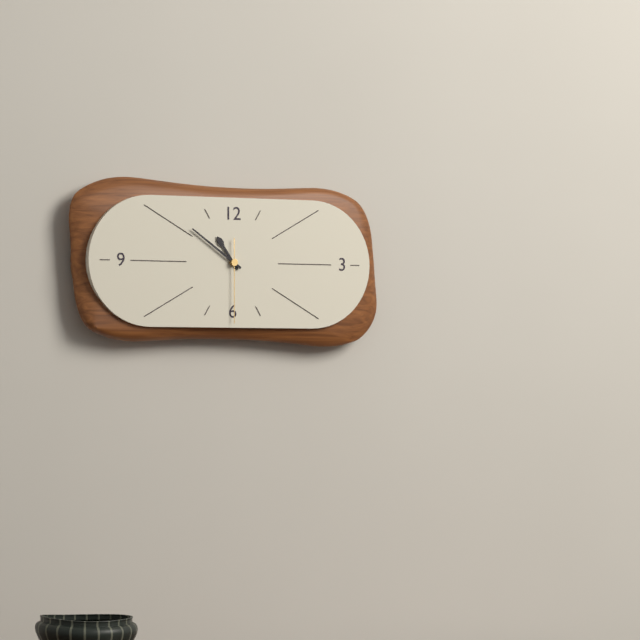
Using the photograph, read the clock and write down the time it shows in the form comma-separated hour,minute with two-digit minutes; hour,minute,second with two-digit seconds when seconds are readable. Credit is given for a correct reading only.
10,51,30
